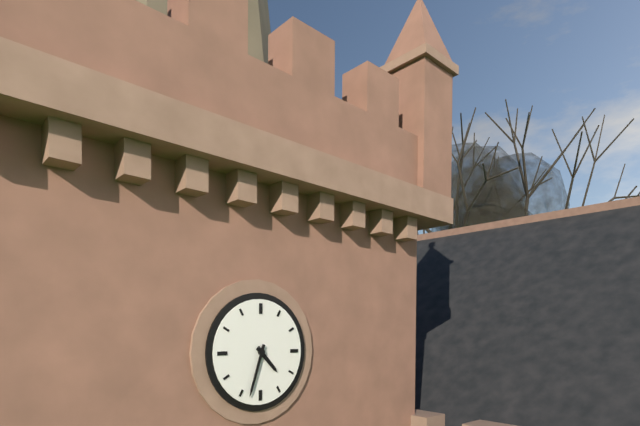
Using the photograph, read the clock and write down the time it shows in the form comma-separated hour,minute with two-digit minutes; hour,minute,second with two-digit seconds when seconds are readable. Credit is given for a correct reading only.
4,33
